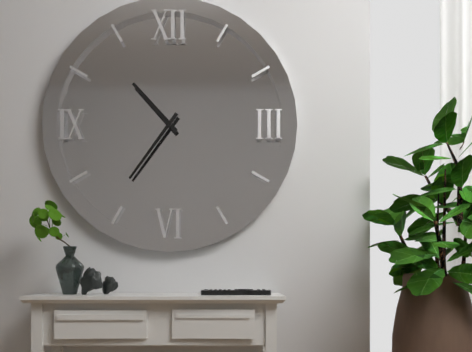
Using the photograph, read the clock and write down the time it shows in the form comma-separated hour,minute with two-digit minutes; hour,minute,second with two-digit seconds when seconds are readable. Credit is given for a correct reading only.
10,36
